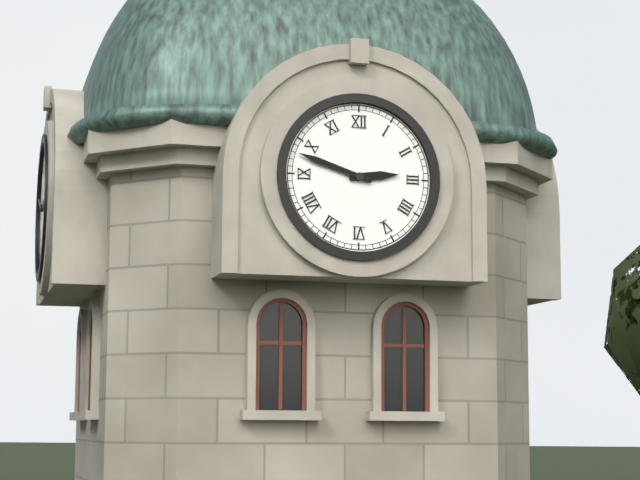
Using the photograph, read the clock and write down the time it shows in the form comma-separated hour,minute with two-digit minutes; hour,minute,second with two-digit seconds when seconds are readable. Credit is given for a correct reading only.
2,48
